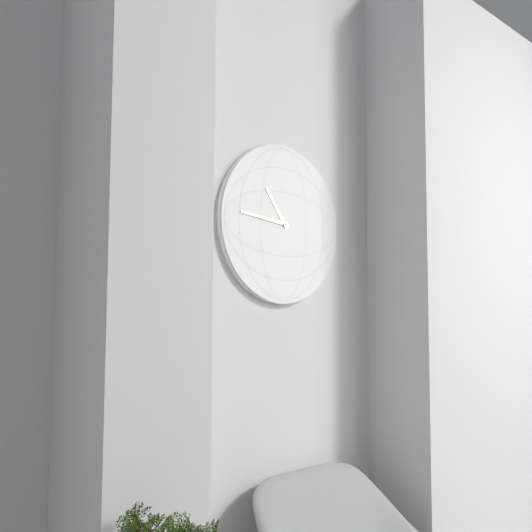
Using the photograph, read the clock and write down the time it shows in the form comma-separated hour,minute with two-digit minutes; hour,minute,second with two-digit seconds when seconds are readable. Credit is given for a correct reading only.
10,46
